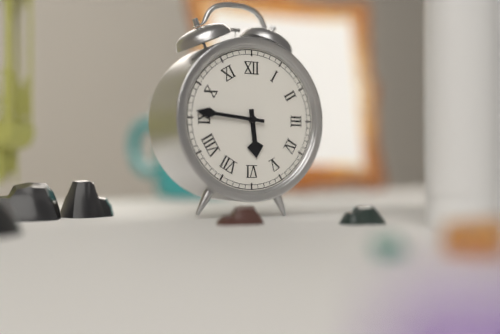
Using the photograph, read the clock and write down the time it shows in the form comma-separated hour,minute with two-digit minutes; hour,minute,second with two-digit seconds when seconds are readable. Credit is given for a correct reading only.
5,46
